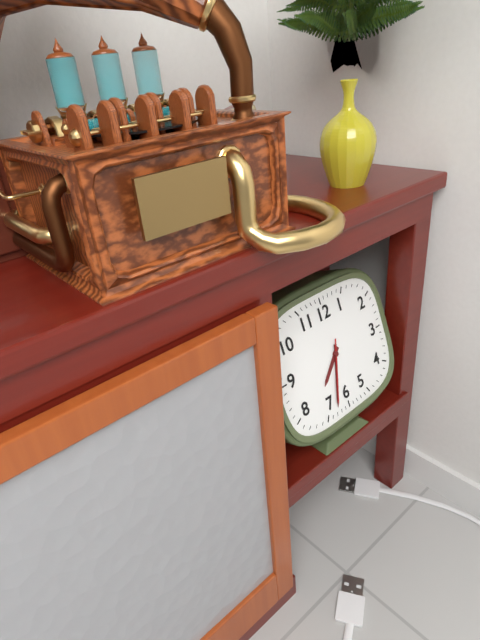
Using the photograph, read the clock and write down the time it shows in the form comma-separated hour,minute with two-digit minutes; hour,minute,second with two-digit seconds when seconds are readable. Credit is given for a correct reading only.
7,33,33
